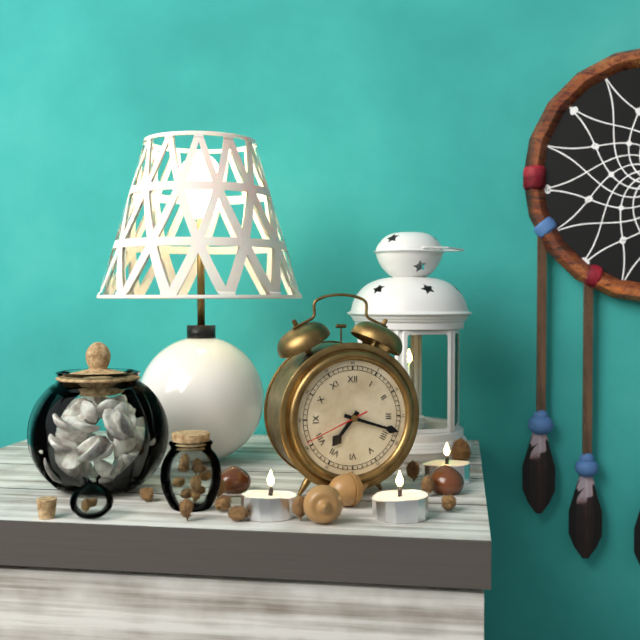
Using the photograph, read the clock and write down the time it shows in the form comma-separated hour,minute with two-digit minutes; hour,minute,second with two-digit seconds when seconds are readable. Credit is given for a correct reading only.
7,18,41
